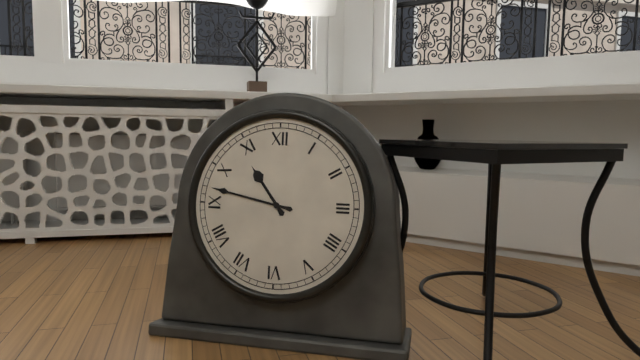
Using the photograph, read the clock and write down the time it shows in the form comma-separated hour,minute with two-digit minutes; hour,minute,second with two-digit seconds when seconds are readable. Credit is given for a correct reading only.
10,47
